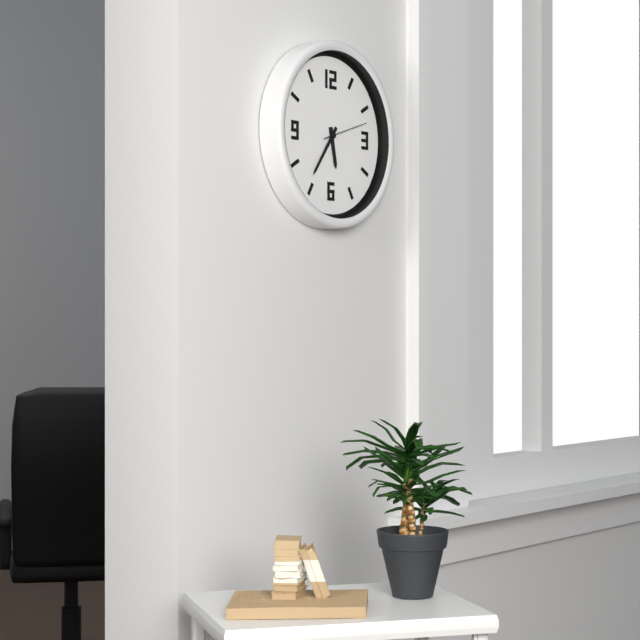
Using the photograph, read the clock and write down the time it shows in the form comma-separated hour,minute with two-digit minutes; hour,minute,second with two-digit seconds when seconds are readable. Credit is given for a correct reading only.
5,36,12
